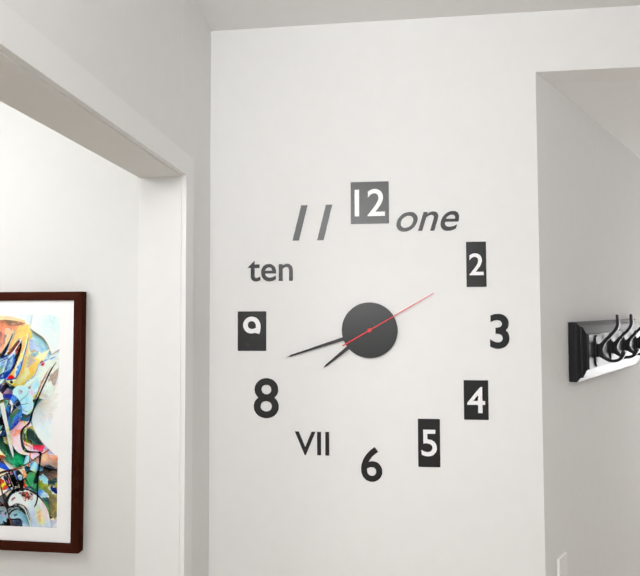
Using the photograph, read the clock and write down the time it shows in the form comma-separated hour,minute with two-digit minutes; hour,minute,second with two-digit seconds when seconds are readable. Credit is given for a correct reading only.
7,42,10
